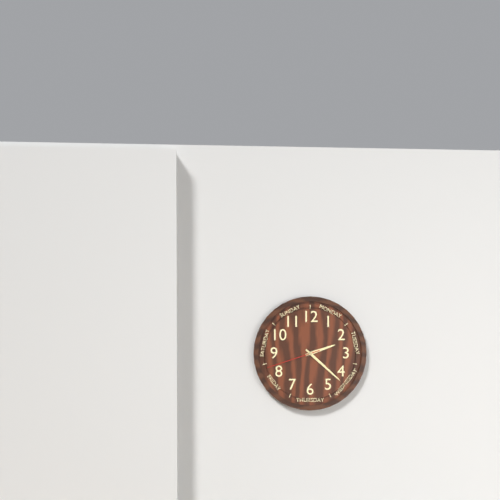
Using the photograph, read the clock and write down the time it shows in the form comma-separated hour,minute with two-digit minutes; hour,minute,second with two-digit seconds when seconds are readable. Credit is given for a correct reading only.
2,22,42
